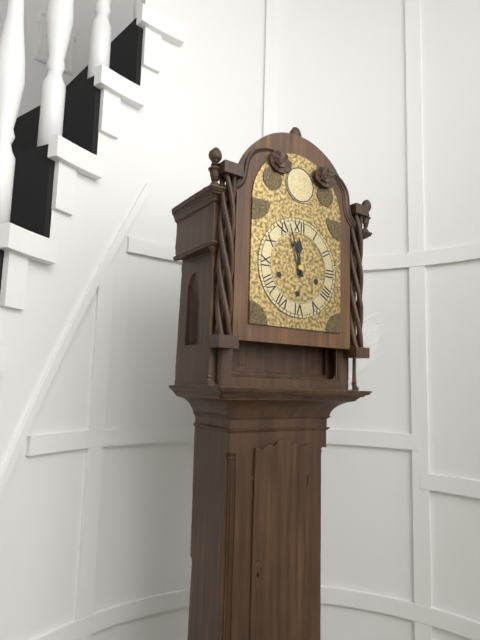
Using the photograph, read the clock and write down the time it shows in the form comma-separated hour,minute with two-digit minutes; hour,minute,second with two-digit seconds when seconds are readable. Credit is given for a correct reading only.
11,57
